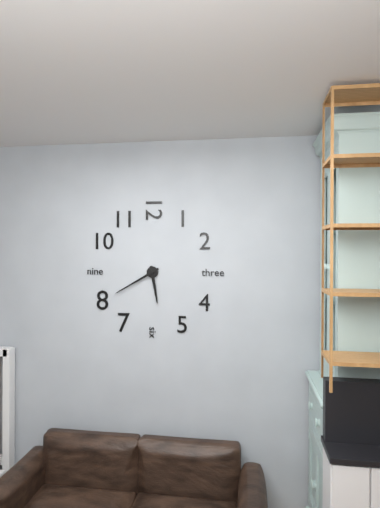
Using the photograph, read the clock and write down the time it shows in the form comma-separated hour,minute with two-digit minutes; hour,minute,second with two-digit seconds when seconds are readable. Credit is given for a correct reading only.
5,40
